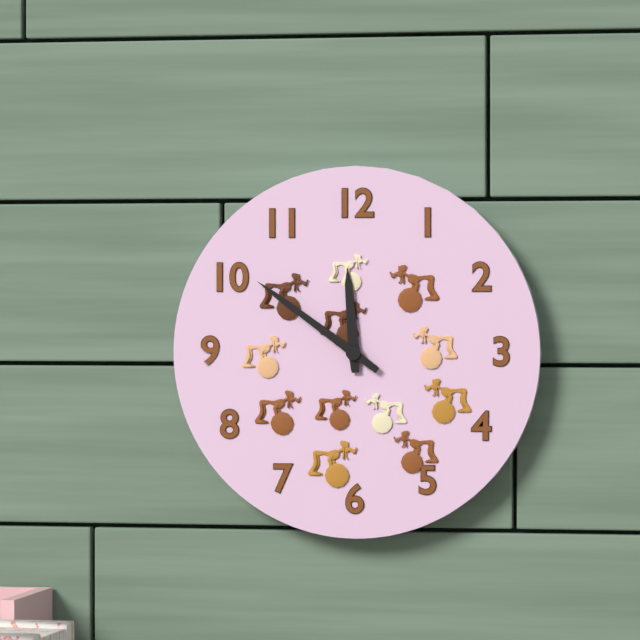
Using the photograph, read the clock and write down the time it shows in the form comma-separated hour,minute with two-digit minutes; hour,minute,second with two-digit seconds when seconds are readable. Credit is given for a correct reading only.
11,51
